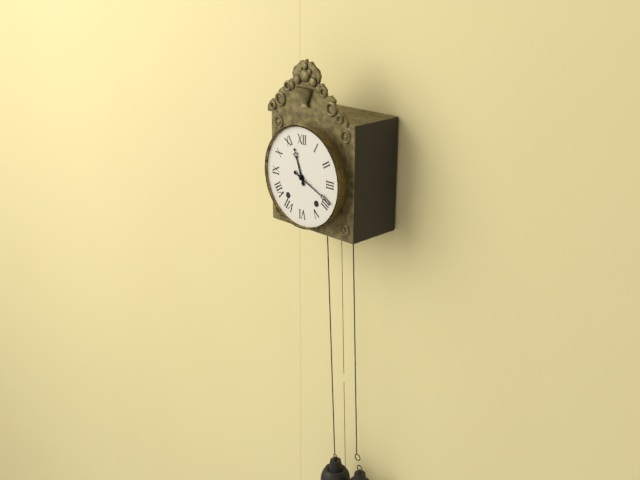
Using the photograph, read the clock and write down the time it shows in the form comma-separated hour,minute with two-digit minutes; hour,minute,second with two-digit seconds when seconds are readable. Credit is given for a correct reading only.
11,19
